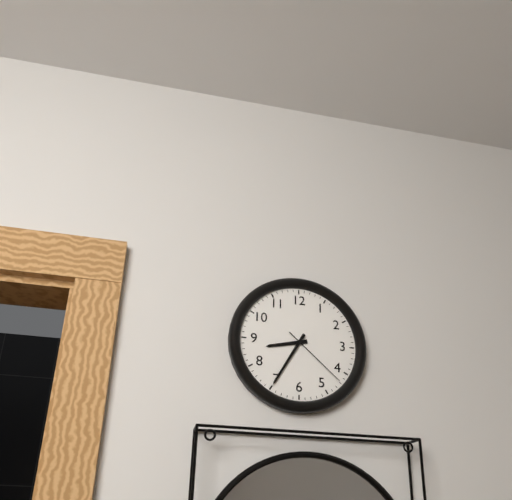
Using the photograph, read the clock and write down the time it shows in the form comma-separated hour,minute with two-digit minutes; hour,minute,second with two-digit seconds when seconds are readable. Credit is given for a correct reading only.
8,35,22
